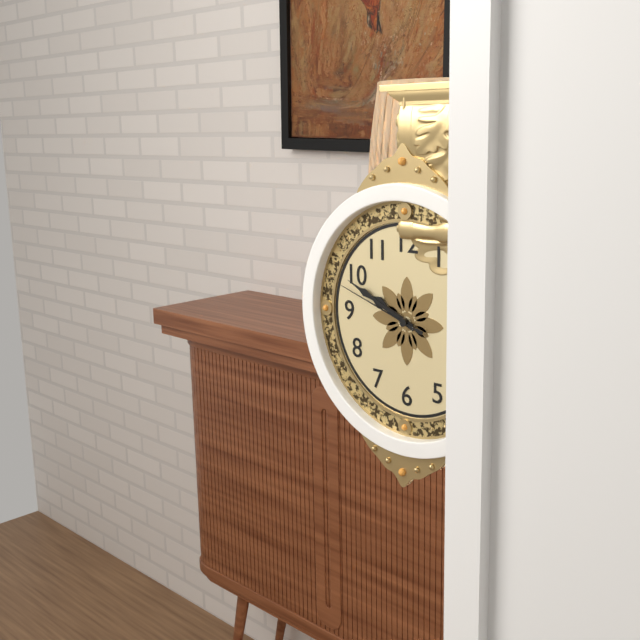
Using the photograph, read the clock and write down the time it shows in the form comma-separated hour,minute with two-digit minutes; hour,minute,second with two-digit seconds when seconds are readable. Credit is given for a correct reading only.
9,49,48
